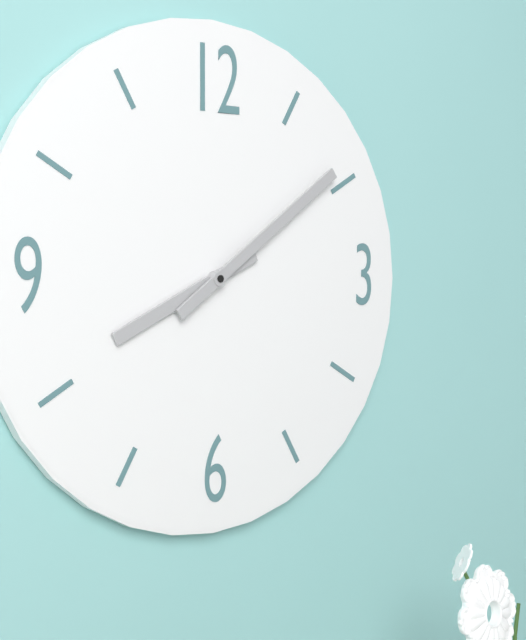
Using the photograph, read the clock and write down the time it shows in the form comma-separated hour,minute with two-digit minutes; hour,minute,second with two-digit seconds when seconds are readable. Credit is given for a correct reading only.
8,09
